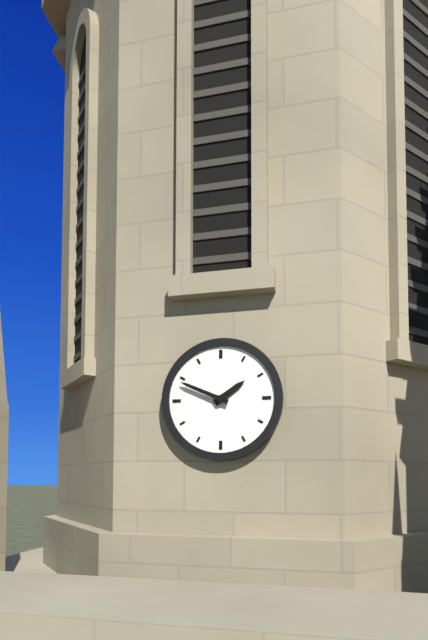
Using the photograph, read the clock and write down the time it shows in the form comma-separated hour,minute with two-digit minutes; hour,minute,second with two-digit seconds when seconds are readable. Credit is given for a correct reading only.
1,49
